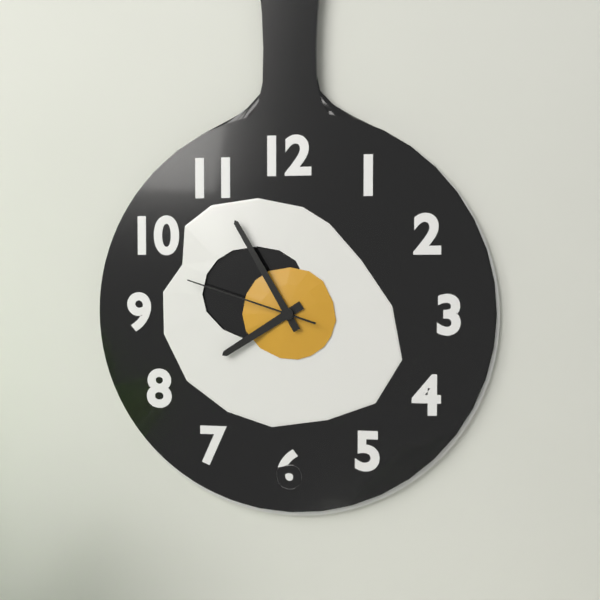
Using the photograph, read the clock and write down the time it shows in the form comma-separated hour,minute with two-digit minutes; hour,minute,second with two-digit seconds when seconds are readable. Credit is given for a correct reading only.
7,55,48
